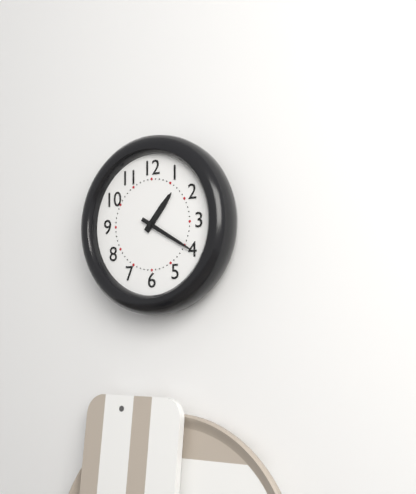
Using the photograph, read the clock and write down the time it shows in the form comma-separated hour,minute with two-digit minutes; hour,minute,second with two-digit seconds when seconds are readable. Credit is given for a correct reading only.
1,20
